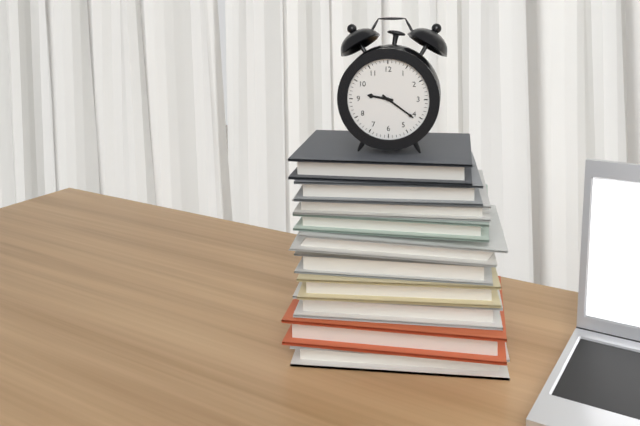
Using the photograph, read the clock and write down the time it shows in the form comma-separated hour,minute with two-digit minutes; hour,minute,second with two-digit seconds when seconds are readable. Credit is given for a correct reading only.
9,21
